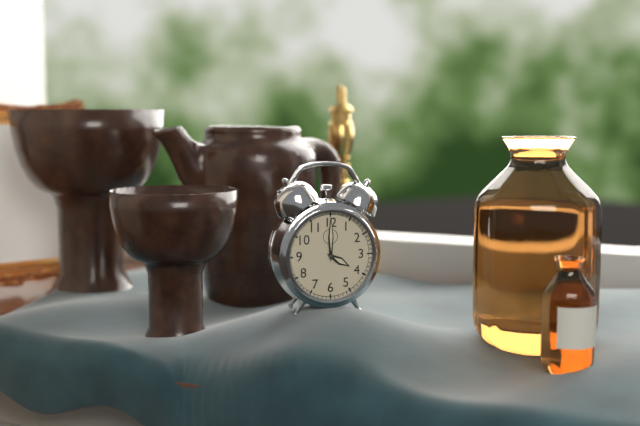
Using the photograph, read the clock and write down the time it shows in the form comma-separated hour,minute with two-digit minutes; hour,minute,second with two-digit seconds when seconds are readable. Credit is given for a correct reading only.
4,00
